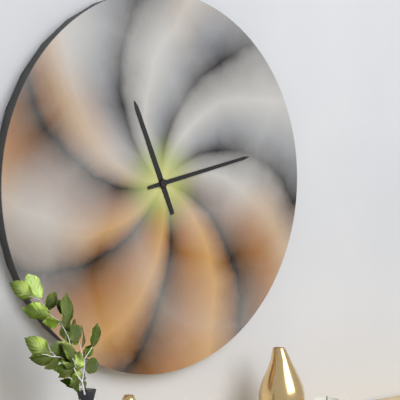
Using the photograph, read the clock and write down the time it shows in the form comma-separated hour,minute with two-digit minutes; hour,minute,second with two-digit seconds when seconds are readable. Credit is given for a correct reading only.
11,13
